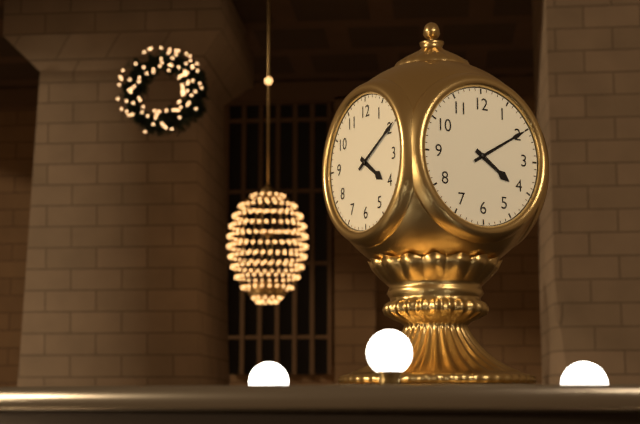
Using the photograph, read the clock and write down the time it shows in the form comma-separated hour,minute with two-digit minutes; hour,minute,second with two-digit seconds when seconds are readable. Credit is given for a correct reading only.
4,10
